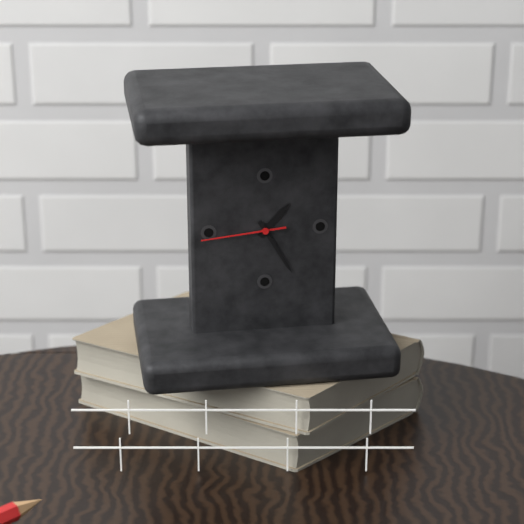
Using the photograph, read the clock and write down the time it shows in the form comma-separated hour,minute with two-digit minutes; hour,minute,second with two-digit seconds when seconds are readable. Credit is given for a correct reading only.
1,25,44
